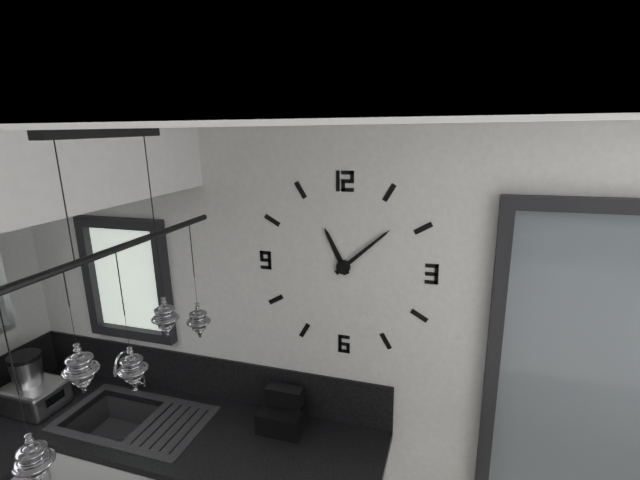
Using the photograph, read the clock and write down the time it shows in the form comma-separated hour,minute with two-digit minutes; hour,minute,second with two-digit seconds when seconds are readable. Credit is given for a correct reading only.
11,08
